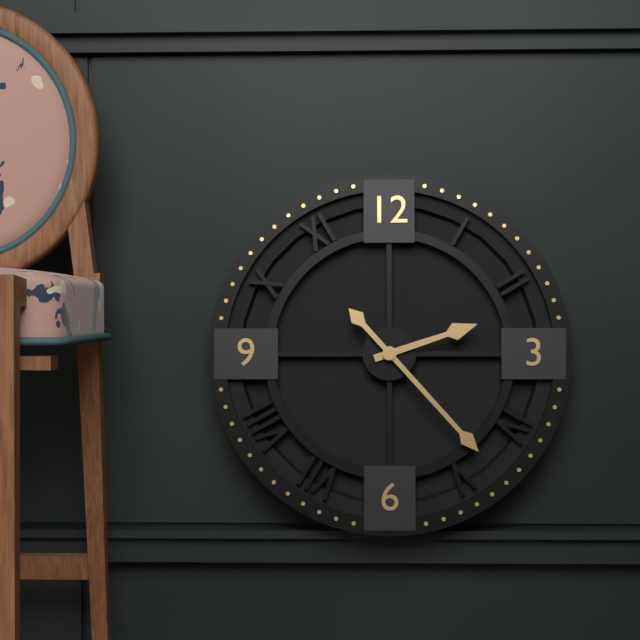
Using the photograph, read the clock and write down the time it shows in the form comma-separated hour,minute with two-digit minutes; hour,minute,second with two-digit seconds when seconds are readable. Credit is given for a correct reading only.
2,23
